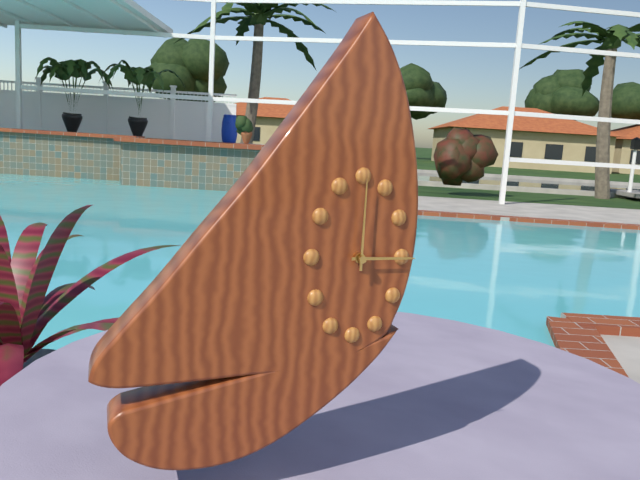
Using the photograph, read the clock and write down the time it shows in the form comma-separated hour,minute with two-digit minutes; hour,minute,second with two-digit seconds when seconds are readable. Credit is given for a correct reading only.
3,00
